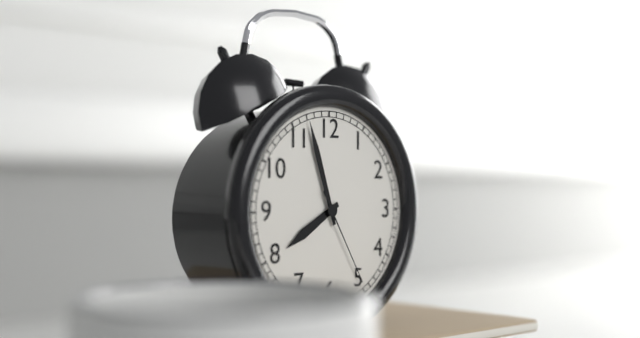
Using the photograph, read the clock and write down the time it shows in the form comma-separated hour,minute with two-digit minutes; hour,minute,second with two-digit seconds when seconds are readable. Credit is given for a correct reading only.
7,57,25
